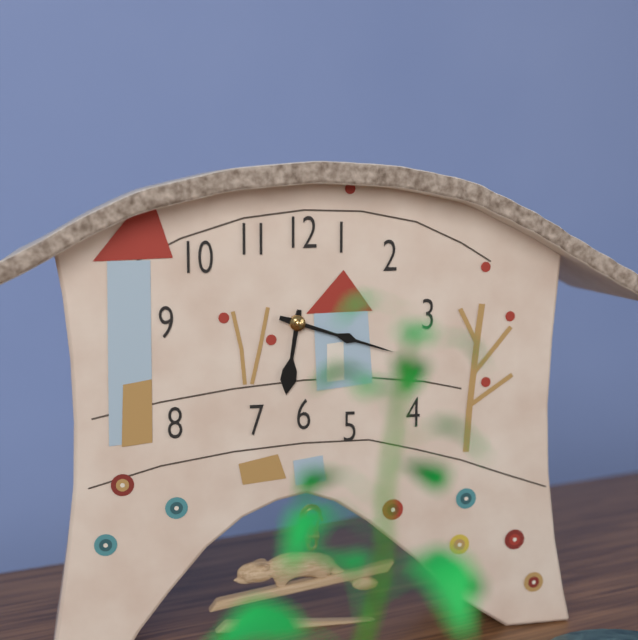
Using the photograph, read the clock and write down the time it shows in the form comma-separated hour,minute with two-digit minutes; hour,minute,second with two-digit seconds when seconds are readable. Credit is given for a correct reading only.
6,18
